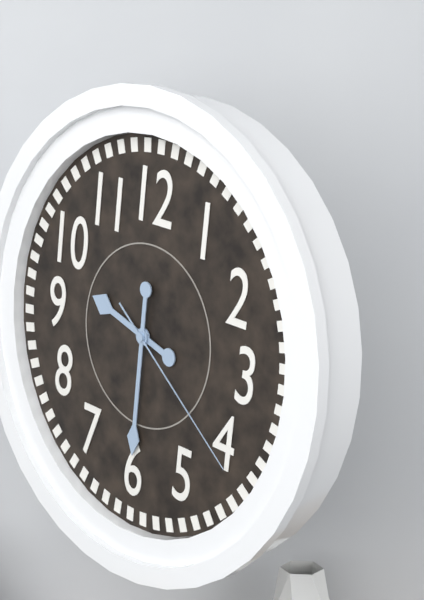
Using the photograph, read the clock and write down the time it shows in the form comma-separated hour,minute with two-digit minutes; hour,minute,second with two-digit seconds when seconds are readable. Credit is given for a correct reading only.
9,30,21
